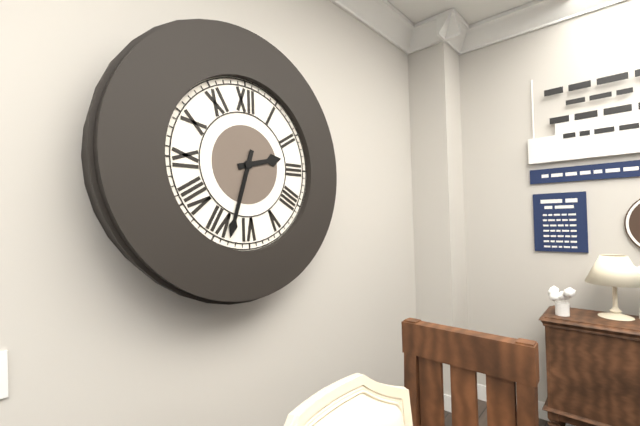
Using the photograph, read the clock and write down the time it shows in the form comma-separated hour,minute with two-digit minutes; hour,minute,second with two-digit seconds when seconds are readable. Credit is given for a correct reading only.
2,33
